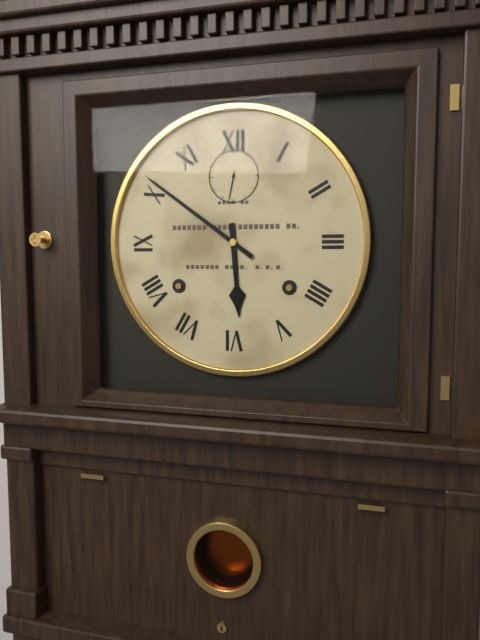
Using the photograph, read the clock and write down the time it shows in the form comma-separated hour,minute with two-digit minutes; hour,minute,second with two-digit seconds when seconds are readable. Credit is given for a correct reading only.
5,51
